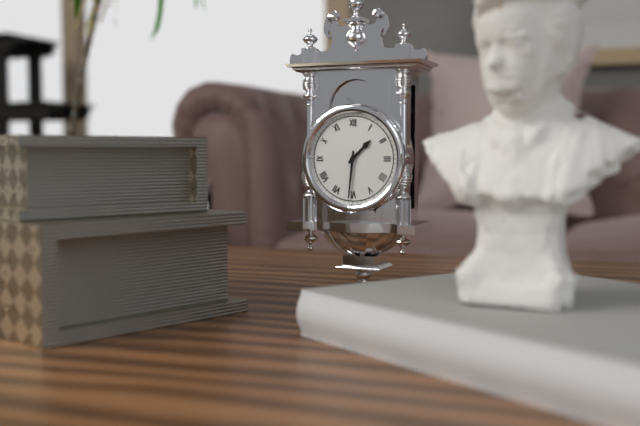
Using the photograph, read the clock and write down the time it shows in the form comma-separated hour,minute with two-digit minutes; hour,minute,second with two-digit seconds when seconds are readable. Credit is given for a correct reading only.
1,31
